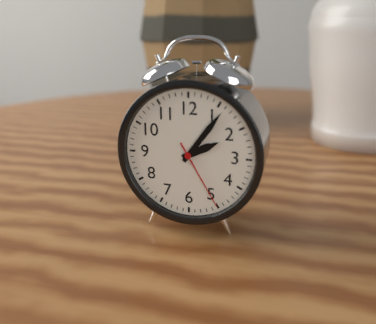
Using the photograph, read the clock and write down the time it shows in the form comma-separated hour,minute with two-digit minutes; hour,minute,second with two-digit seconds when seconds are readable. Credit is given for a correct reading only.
2,06,25
